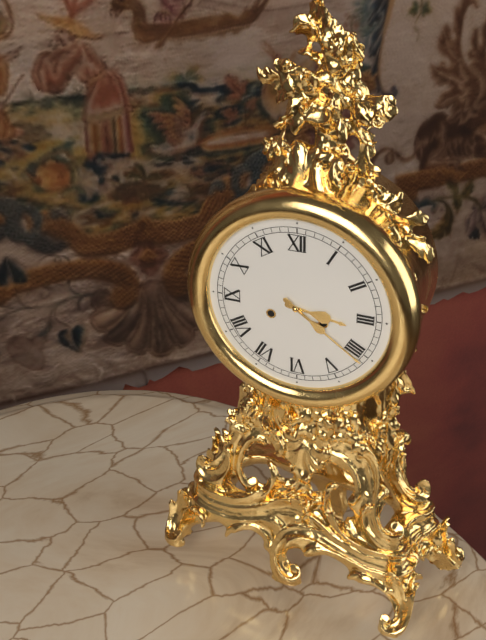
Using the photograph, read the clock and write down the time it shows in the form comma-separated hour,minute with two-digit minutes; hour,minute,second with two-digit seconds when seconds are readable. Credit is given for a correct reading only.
3,21
